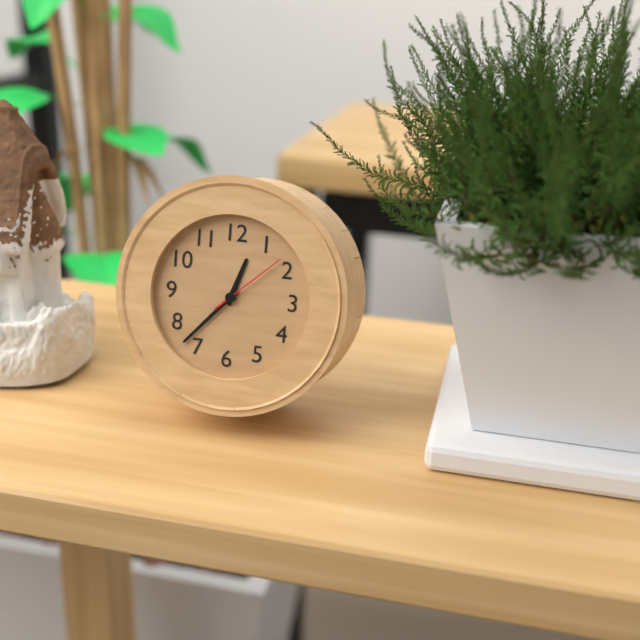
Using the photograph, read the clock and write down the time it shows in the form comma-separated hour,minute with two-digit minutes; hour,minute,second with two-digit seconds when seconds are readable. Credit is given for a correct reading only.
12,37,08
